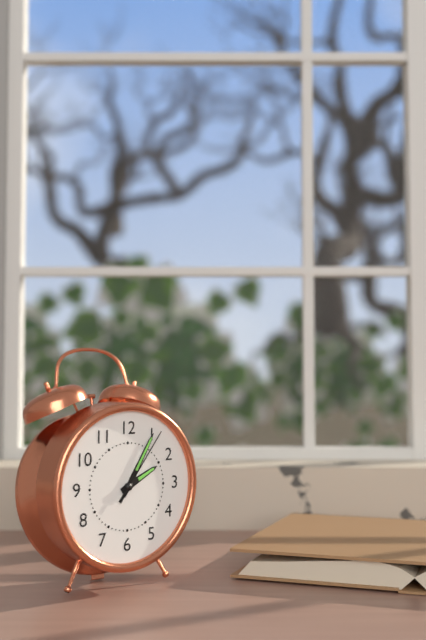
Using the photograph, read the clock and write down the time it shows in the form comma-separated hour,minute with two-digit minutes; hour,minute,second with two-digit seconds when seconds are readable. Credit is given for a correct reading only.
2,05,06
